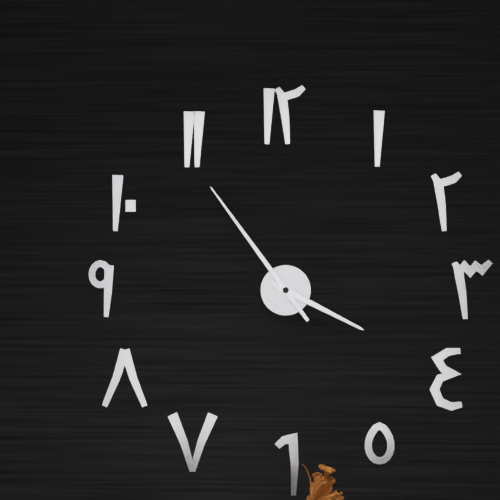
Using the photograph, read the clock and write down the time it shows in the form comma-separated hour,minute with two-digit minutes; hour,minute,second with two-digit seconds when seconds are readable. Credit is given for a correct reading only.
3,54
